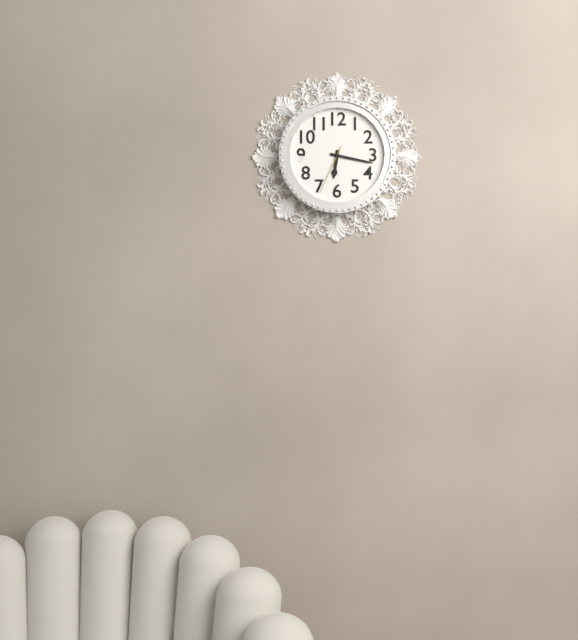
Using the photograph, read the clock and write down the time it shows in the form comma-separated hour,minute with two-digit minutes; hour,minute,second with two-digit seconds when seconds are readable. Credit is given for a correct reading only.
6,17,34
